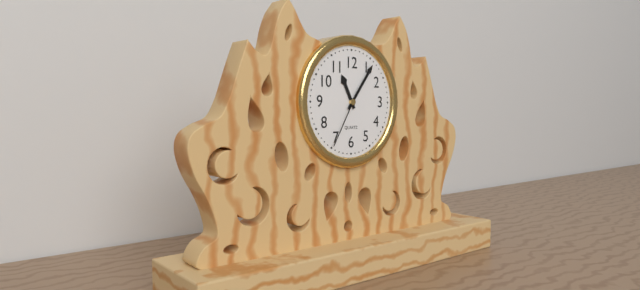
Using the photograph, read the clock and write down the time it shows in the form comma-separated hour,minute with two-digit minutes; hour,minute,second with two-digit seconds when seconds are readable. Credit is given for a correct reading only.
11,06,35
